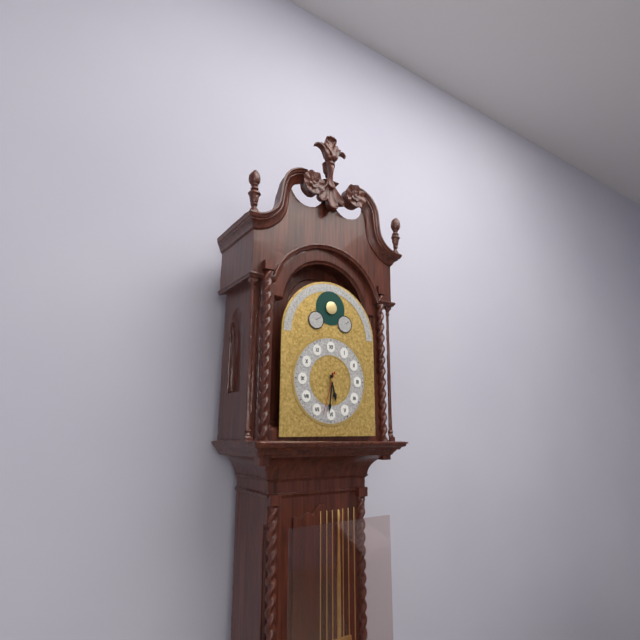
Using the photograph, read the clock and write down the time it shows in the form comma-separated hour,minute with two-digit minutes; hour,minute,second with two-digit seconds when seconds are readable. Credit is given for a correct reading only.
5,31
